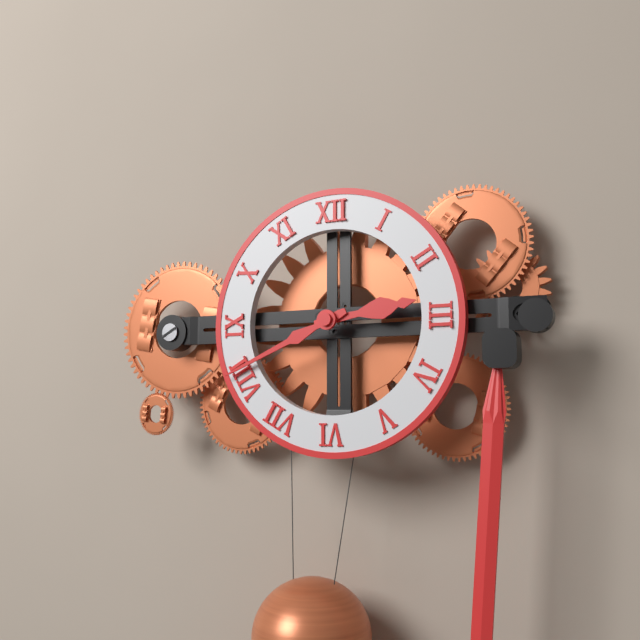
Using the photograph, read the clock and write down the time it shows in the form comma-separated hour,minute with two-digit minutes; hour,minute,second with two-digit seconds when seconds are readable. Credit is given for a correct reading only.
2,41
